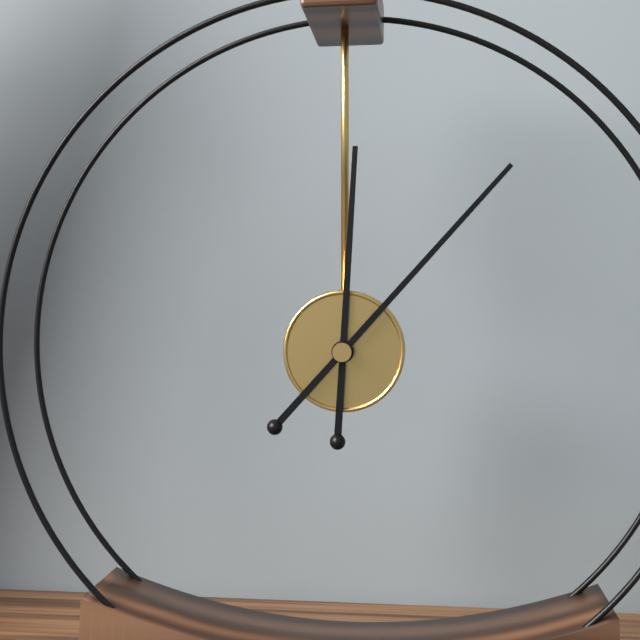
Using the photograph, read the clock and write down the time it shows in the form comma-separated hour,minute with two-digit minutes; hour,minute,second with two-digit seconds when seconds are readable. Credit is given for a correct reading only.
12,07
